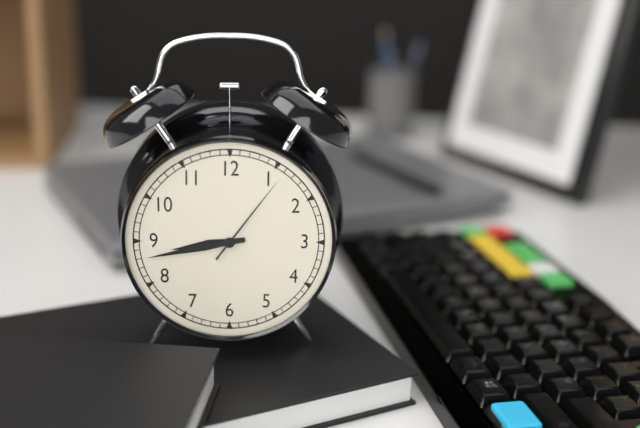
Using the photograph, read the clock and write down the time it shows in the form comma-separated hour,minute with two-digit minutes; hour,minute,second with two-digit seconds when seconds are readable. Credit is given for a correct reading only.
8,43,06
